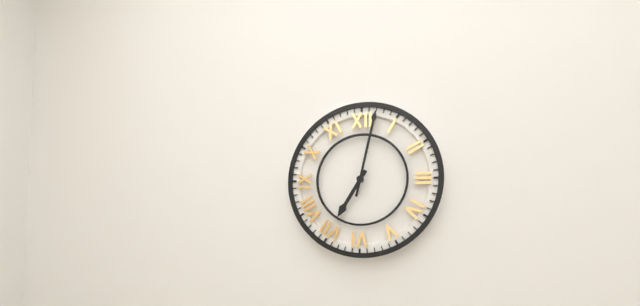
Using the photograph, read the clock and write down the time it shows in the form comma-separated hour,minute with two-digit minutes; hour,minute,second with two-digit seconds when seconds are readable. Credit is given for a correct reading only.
7,02
